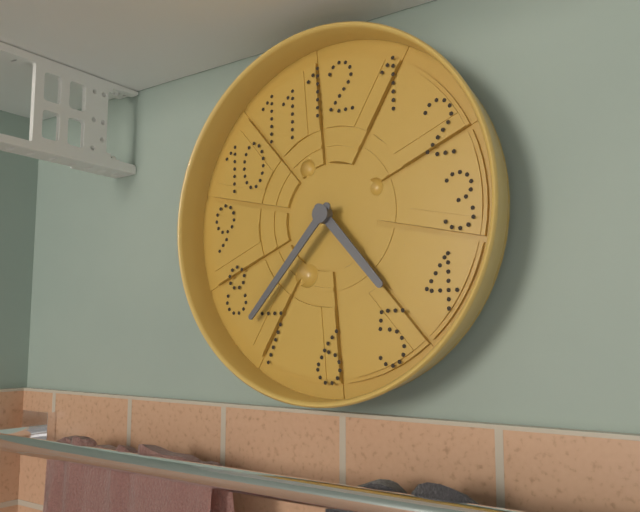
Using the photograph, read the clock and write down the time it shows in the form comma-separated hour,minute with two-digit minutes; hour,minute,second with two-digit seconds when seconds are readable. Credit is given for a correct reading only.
4,37
